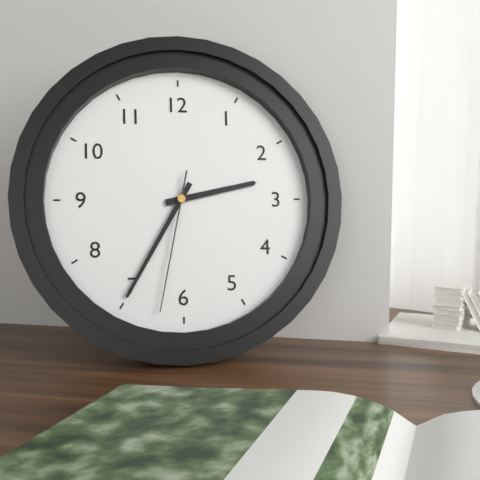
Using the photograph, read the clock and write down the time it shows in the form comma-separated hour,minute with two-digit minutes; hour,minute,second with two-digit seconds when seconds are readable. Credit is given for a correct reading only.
2,35,32
